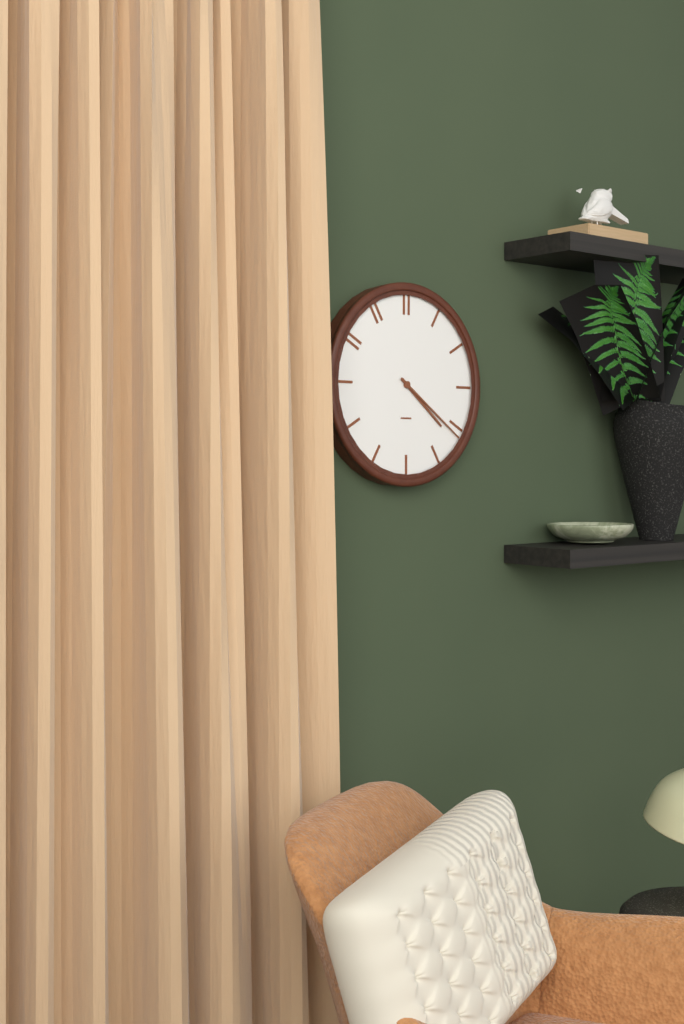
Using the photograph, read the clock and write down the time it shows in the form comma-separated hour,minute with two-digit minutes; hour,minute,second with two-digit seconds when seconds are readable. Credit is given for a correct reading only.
4,21
